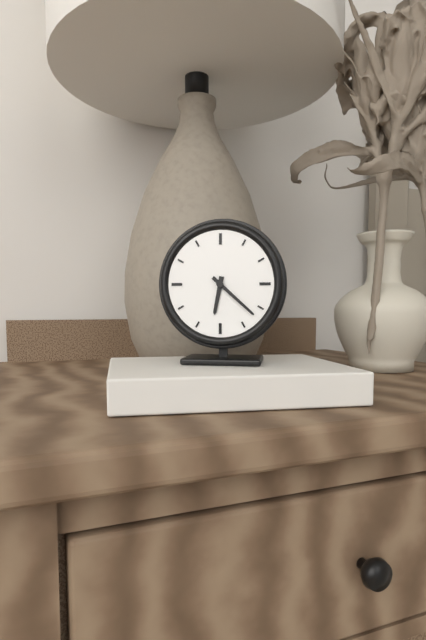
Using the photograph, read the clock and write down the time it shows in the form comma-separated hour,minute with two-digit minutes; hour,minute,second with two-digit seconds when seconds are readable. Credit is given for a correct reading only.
6,22
